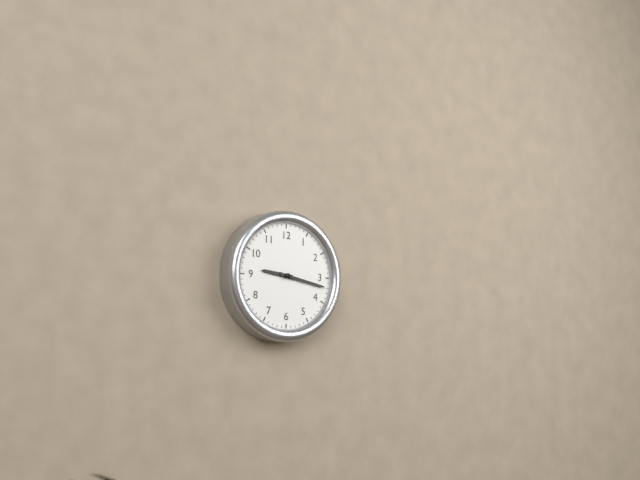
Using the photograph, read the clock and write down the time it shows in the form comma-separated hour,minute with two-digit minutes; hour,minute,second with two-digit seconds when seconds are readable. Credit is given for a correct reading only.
9,17
